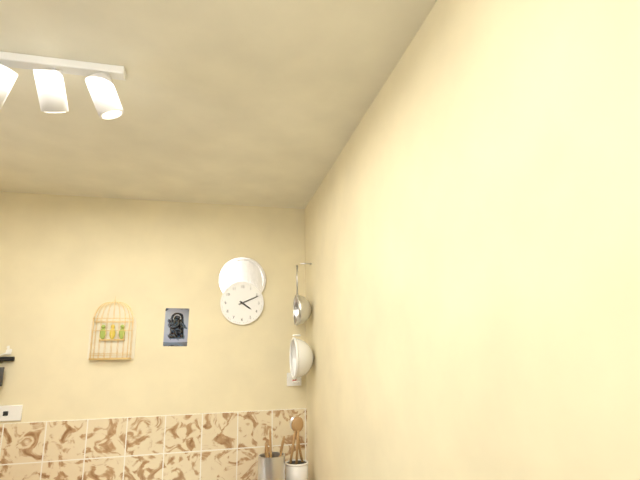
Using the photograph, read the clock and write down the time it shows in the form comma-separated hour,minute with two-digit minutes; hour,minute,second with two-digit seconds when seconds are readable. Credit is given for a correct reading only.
4,11
